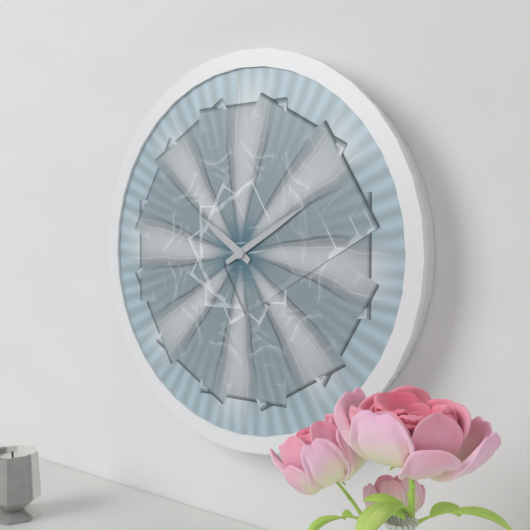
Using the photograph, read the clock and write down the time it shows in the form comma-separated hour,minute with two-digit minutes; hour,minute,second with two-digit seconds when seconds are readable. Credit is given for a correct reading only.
10,10
